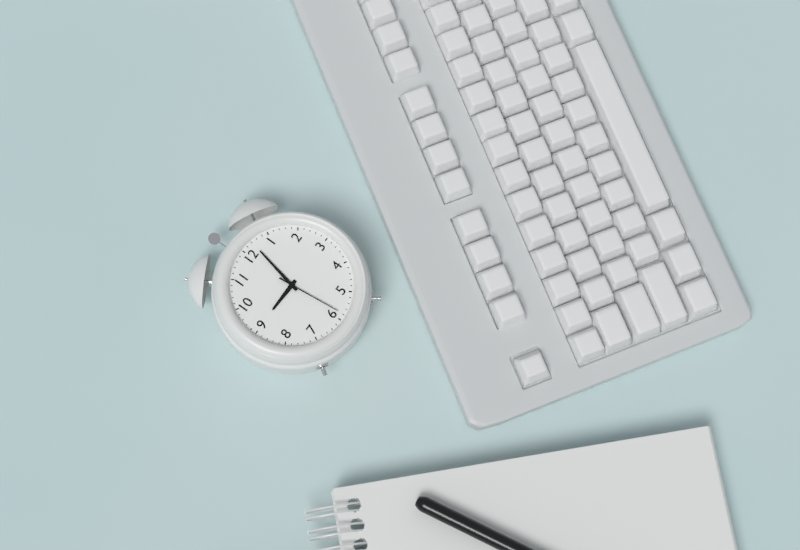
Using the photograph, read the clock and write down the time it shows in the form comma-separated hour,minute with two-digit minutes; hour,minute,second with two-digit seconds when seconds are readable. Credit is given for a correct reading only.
9,02,29
